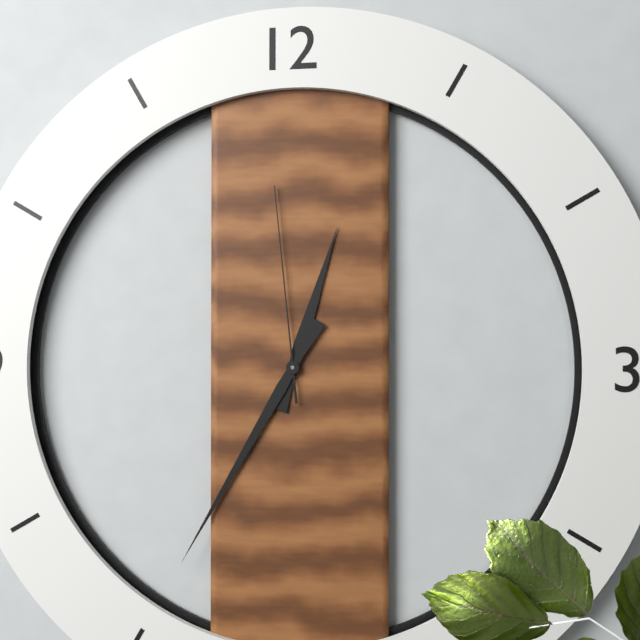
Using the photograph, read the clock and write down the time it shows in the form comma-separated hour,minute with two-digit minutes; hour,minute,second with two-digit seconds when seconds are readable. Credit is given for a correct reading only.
12,35,59
